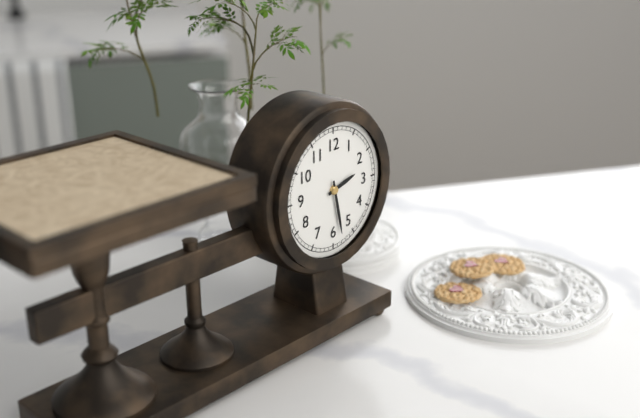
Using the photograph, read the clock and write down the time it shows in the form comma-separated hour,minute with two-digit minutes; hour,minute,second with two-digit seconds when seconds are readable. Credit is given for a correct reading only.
2,28
